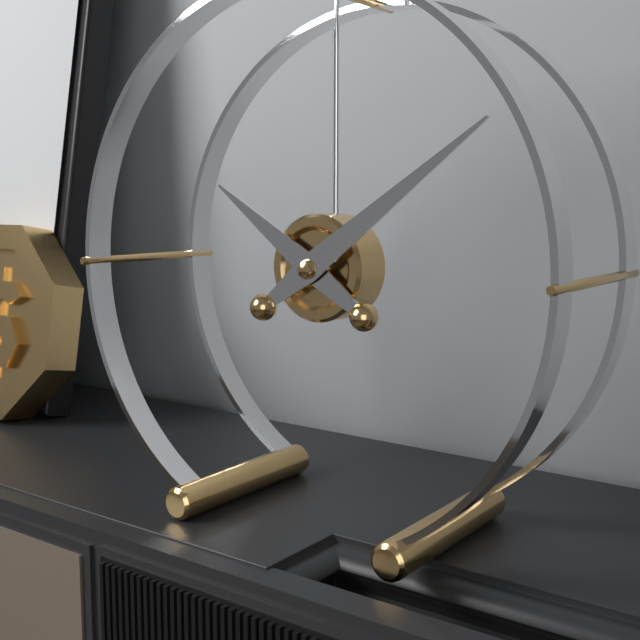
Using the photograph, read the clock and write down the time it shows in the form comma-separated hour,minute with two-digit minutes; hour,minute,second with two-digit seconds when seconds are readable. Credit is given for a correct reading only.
10,09
